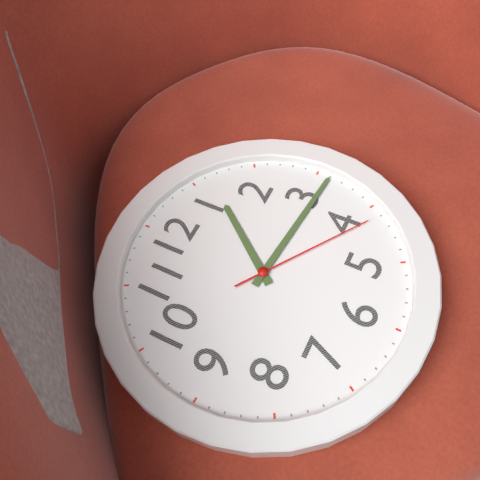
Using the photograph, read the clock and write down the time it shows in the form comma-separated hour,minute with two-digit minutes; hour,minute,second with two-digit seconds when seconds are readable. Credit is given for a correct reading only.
1,16,21
